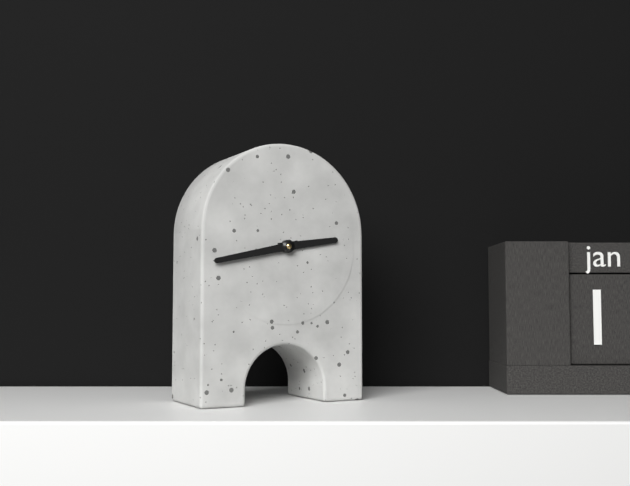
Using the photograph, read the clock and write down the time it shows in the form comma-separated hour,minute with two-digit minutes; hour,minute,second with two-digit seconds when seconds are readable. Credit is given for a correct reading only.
2,43
